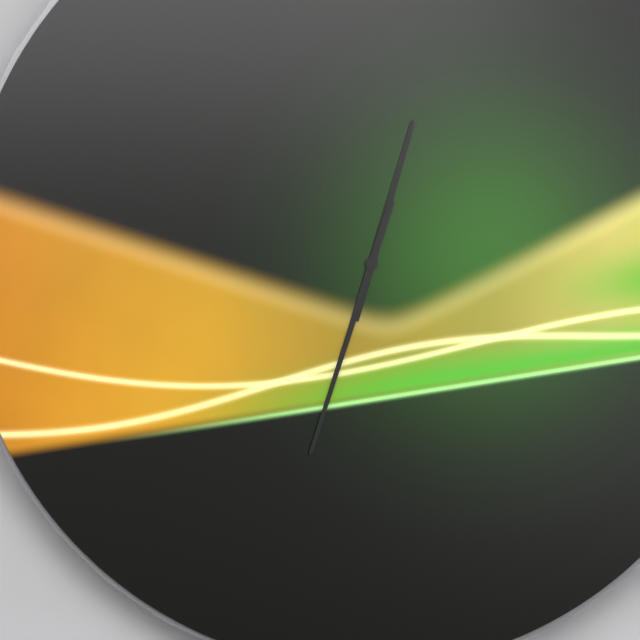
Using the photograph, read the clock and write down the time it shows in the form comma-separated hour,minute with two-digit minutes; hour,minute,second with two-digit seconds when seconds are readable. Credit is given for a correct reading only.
12,33
